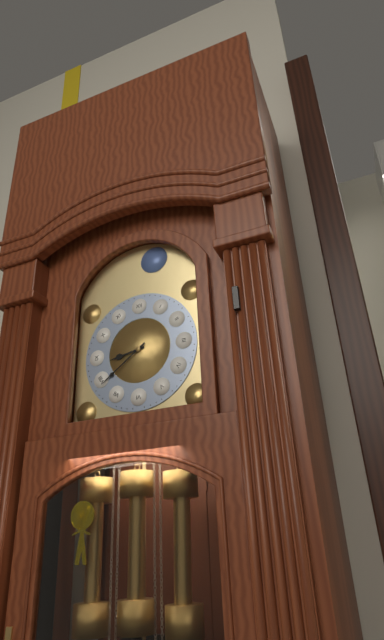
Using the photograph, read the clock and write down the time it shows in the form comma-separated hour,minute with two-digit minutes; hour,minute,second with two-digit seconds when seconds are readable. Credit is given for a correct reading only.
8,39
